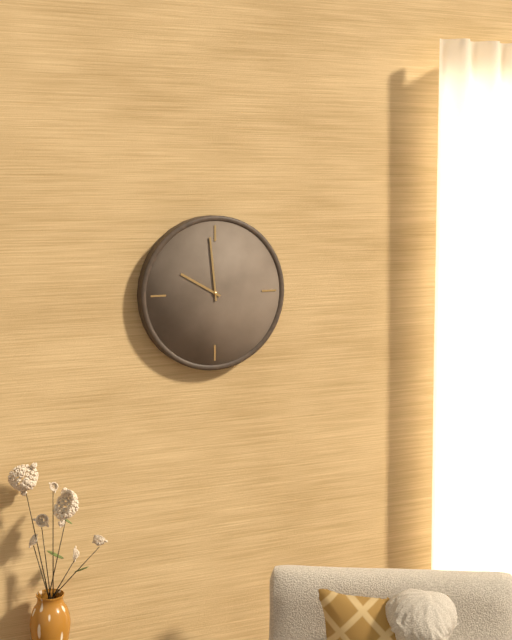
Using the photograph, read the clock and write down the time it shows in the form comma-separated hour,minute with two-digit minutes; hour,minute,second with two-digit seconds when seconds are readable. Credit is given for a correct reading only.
9,59
